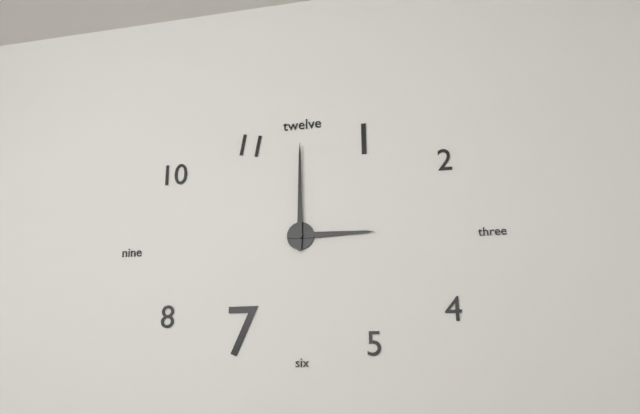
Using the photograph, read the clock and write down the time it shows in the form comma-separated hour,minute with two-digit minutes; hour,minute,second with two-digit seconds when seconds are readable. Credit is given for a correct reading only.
3,00
